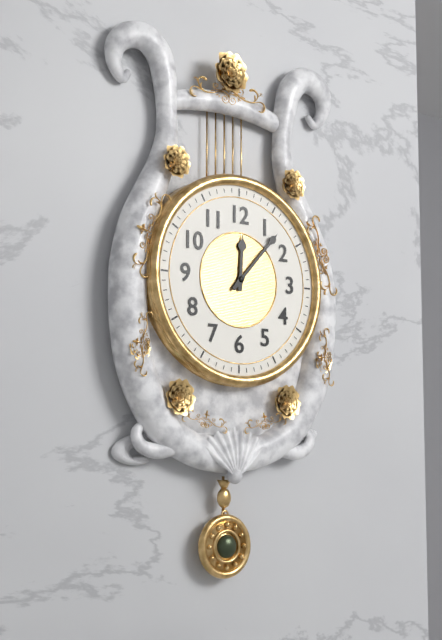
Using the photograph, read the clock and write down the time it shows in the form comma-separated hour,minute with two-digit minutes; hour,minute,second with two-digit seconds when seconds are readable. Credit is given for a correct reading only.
12,07
